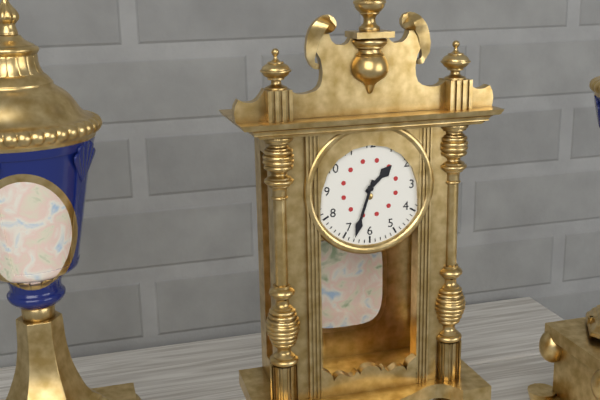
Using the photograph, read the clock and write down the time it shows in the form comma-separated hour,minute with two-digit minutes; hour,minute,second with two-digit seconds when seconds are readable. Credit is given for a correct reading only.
1,33
